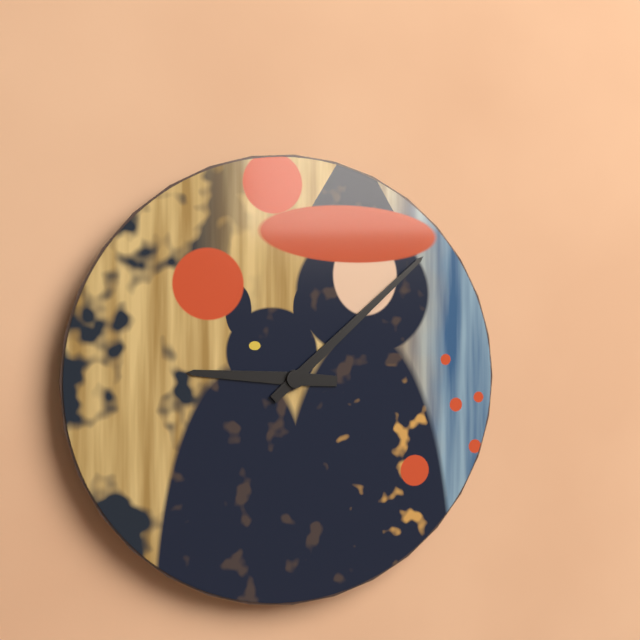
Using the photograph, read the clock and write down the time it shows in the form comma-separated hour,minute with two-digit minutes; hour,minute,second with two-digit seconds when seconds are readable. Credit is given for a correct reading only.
9,08
